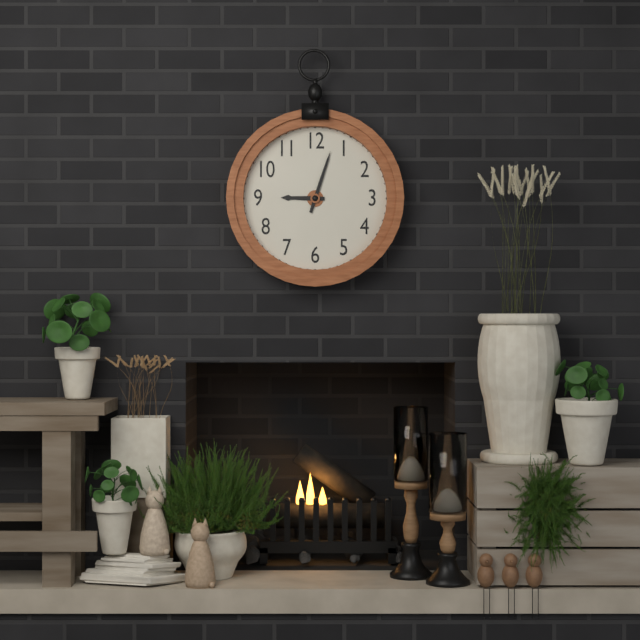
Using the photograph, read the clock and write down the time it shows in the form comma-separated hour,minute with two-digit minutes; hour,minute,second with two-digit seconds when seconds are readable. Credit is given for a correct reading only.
9,03
